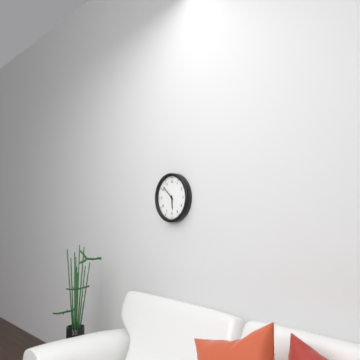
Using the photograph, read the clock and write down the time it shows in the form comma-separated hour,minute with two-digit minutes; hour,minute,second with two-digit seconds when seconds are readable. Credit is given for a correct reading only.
5,52
